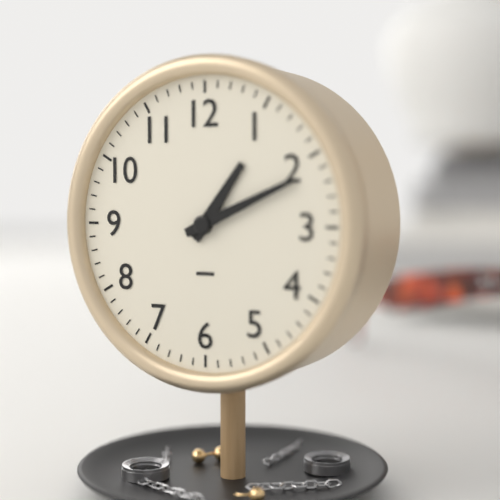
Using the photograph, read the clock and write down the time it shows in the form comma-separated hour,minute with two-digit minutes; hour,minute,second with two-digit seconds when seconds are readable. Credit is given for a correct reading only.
1,11
